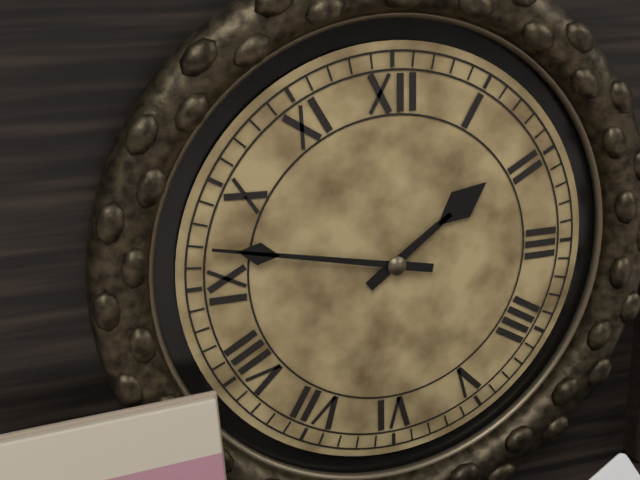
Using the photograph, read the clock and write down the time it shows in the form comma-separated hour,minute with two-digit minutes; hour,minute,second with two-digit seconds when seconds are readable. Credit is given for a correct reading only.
1,47
